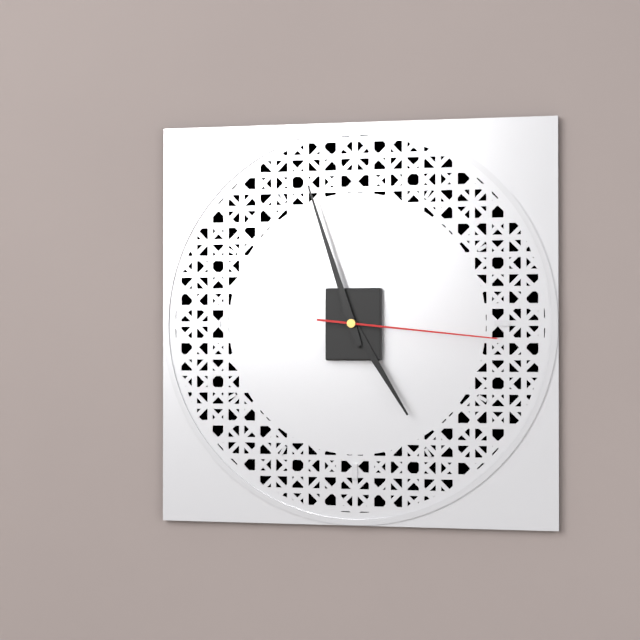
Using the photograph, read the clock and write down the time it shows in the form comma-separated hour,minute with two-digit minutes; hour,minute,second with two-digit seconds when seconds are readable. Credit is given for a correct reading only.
4,57,16
